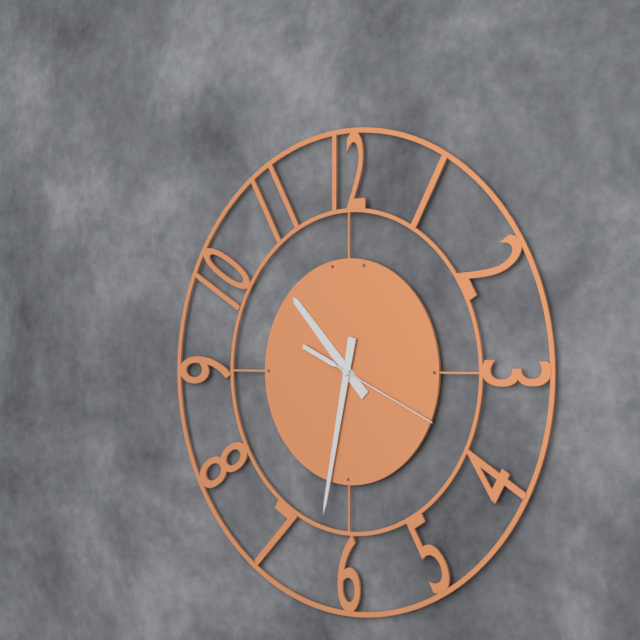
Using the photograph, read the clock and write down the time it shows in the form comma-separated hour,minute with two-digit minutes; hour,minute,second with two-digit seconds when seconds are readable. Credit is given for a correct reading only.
10,32,19
